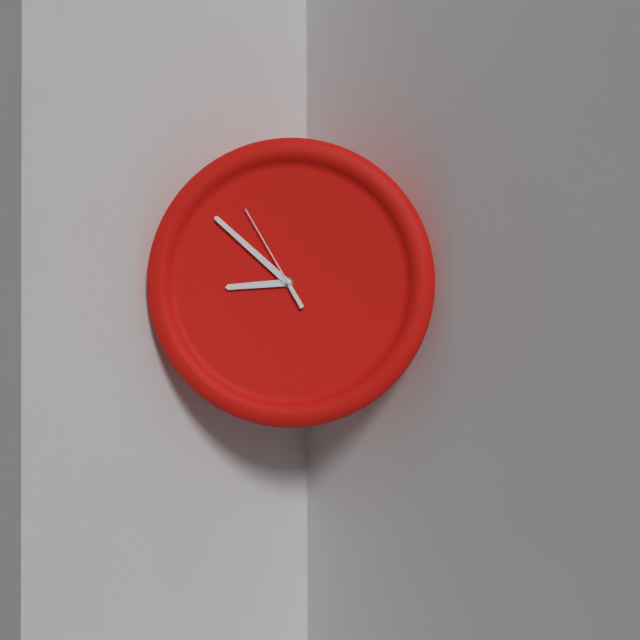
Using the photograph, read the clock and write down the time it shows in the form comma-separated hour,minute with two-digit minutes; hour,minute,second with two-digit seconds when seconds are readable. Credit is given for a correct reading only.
8,52,55
